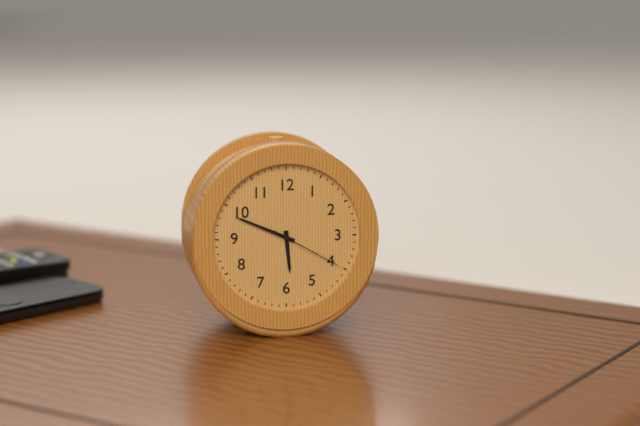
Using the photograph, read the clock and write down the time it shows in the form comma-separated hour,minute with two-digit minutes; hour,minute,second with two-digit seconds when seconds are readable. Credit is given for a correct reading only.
5,49,20
